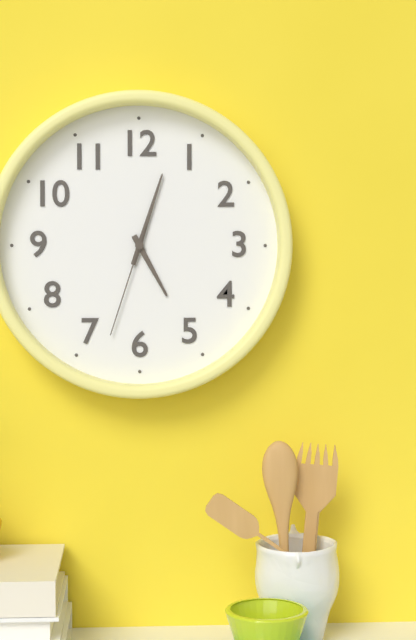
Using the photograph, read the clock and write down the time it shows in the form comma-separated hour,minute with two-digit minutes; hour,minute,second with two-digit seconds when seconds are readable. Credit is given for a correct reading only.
5,03,33
